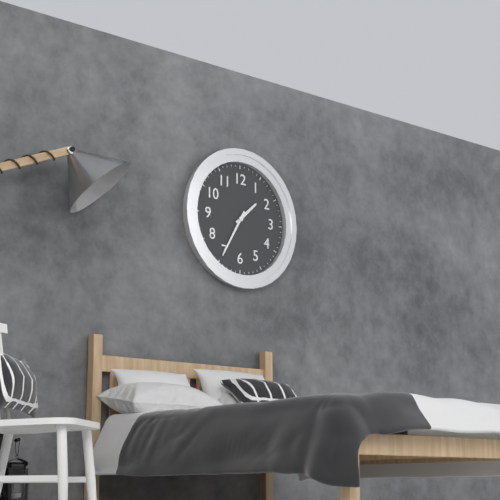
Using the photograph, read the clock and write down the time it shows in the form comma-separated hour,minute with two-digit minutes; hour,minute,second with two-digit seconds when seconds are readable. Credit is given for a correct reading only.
1,35
